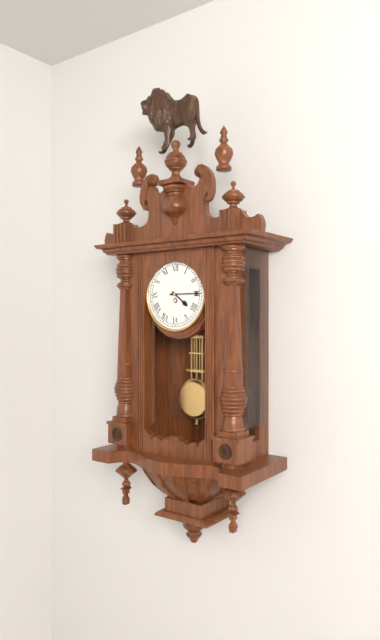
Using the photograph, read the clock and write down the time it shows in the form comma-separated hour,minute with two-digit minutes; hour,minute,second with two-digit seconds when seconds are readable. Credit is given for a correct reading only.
4,15
